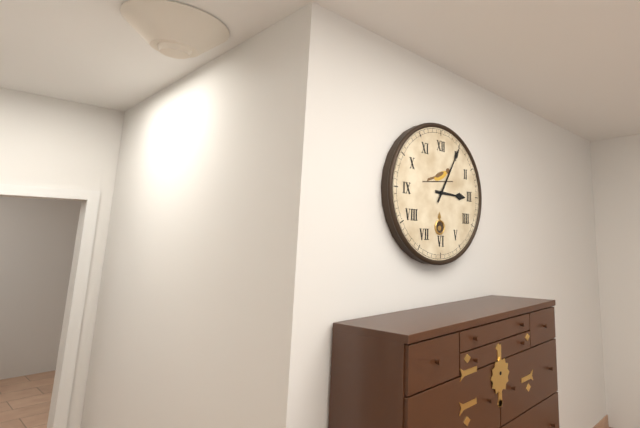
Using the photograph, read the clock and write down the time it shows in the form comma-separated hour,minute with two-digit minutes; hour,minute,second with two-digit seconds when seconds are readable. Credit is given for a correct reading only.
3,05
